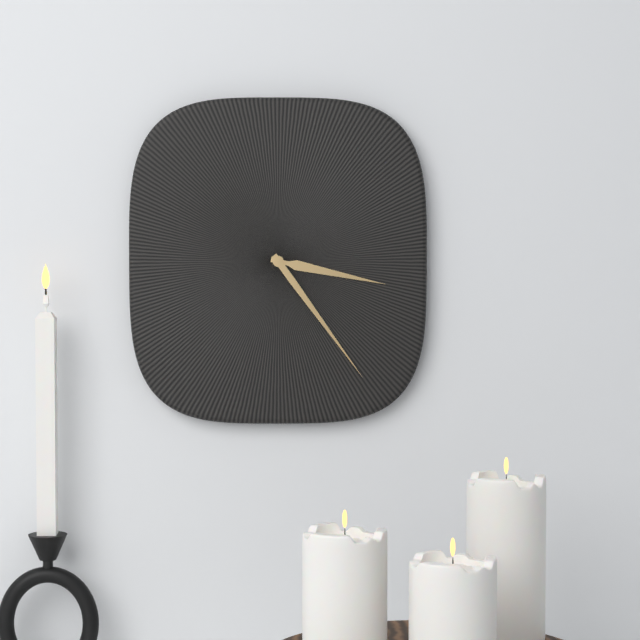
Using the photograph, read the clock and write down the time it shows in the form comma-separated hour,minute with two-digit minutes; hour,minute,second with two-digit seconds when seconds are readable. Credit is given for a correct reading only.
3,24
